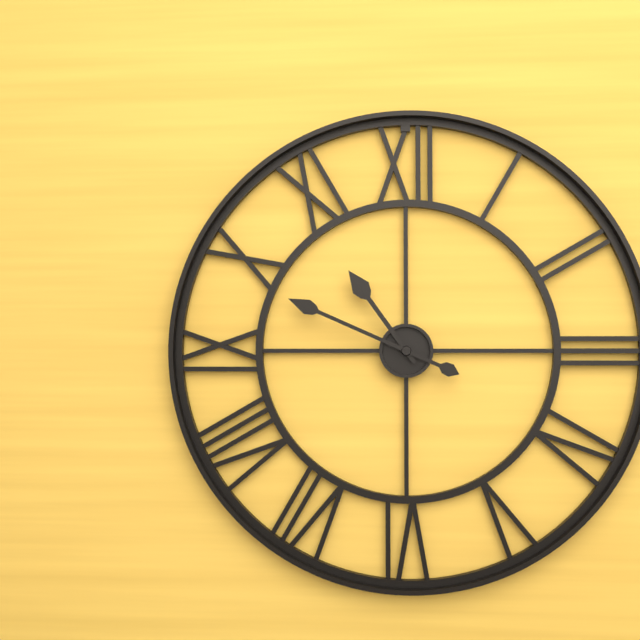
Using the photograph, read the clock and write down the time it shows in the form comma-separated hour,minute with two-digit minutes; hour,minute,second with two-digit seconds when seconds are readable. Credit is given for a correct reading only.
10,49
